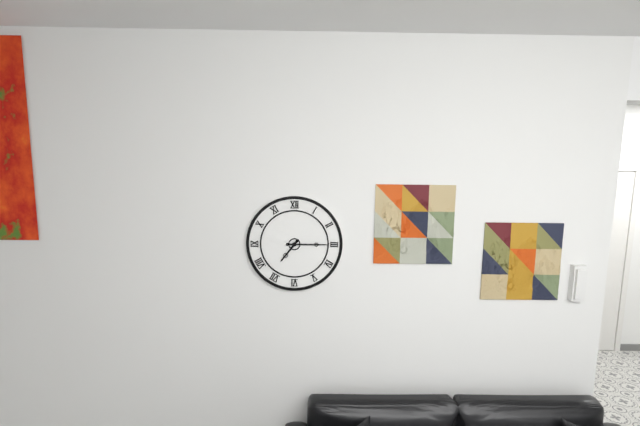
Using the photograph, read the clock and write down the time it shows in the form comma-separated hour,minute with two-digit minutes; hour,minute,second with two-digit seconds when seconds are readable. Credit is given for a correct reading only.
7,15
